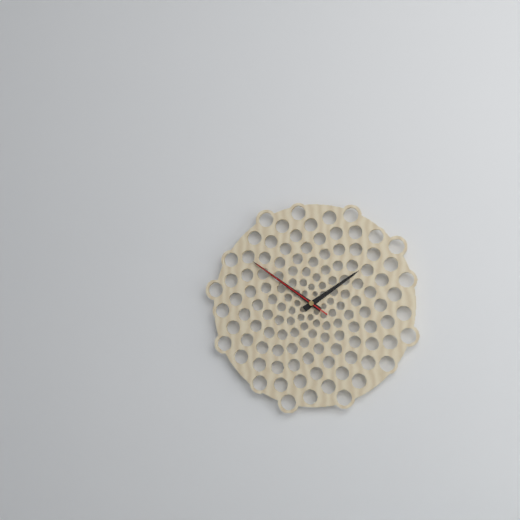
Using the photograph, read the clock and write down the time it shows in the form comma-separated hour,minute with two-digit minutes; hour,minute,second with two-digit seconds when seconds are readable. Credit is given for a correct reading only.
1,51,51
